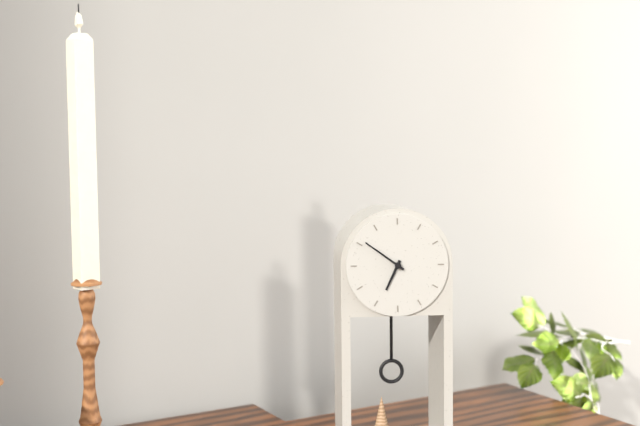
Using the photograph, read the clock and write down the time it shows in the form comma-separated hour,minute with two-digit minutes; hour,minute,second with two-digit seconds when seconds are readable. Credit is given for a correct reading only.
6,51
